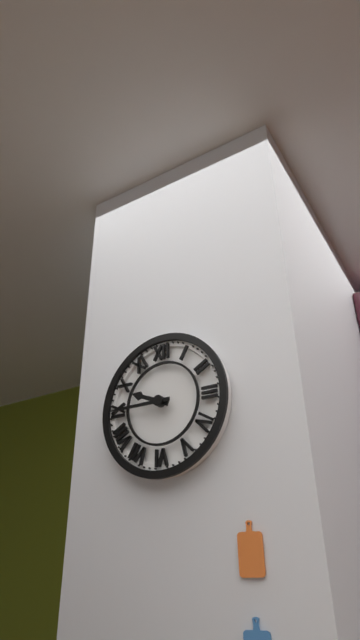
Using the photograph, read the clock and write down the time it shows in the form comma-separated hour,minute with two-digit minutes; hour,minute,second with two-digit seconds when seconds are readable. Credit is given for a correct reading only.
9,45
